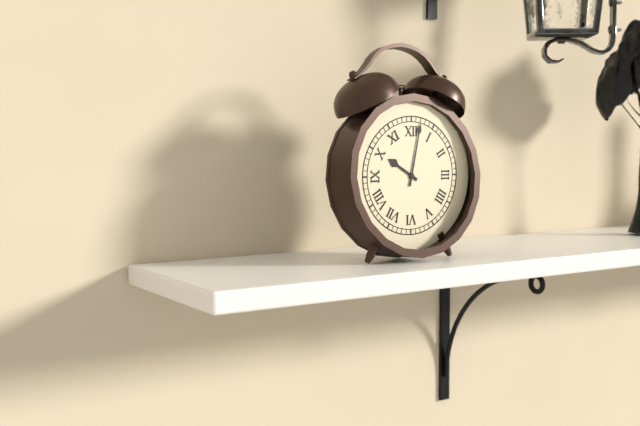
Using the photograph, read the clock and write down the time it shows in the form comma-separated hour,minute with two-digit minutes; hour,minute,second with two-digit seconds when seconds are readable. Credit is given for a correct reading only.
10,02
